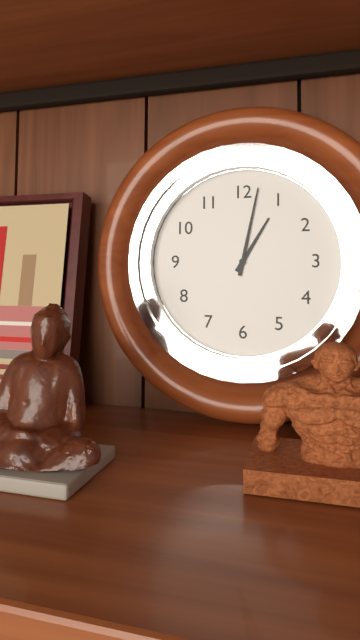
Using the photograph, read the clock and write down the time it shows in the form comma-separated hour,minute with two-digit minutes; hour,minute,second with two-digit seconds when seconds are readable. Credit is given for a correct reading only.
1,02
